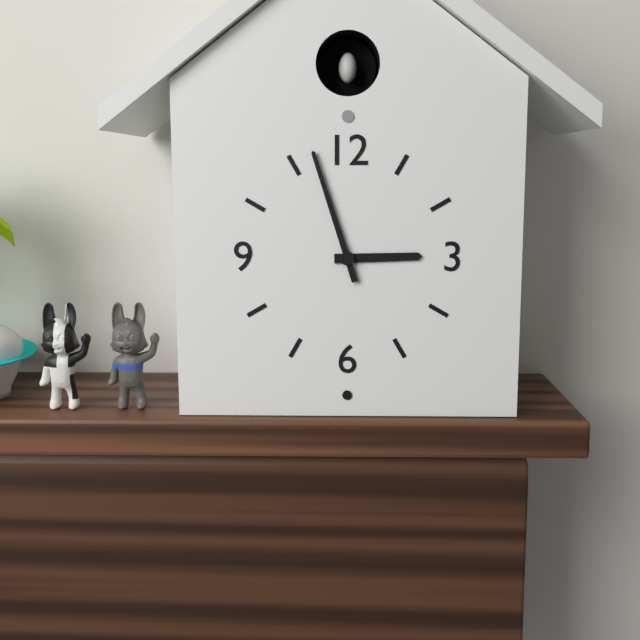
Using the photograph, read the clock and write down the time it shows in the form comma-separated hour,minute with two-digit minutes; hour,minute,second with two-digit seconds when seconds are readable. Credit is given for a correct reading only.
2,57
